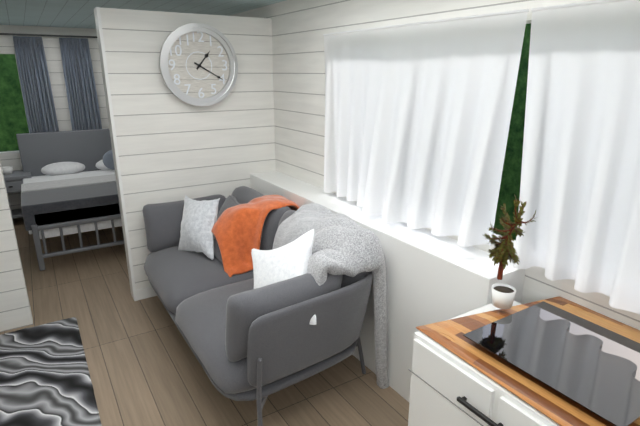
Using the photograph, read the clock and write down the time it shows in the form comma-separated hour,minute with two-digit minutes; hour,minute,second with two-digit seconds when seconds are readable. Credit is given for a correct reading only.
1,20
